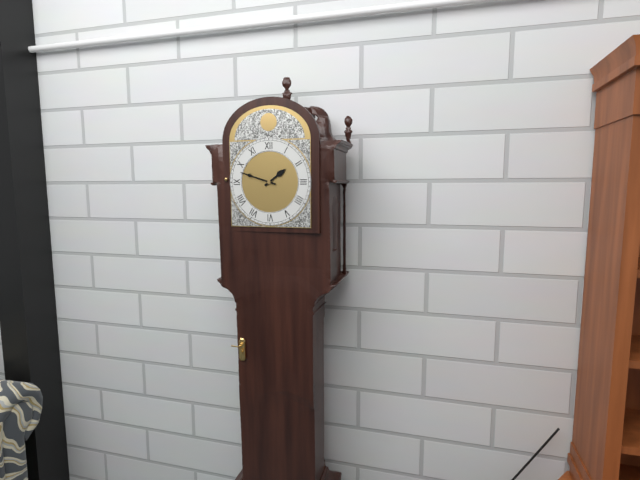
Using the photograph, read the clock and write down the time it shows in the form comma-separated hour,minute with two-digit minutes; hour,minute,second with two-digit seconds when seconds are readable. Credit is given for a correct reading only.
1,48
